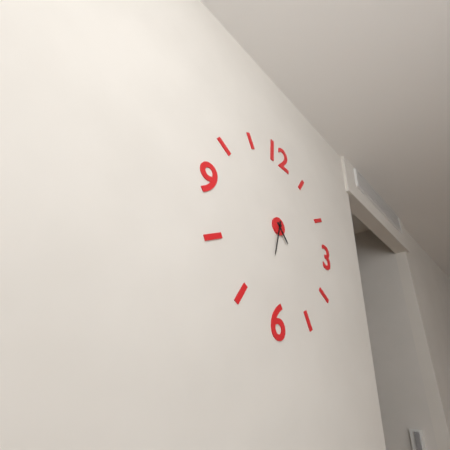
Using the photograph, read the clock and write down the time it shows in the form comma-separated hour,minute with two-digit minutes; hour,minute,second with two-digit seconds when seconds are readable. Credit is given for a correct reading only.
4,32
